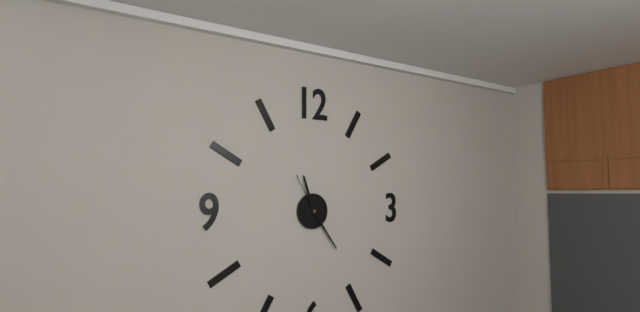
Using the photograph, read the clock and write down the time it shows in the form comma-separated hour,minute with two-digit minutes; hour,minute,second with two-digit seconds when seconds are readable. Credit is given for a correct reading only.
11,24
